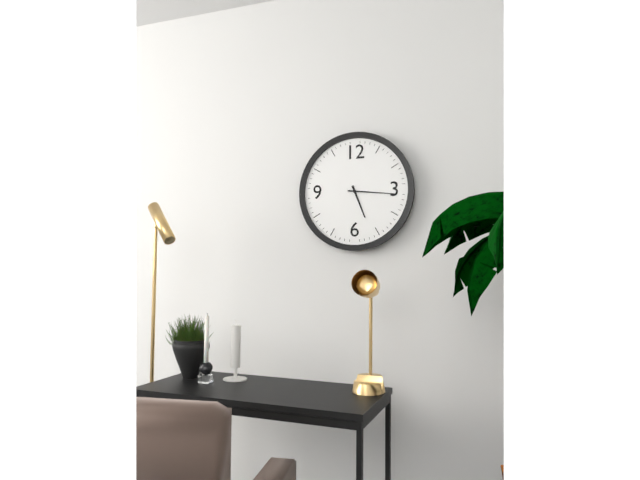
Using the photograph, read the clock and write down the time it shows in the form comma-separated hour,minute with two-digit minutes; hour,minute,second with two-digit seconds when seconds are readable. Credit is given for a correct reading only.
5,16
